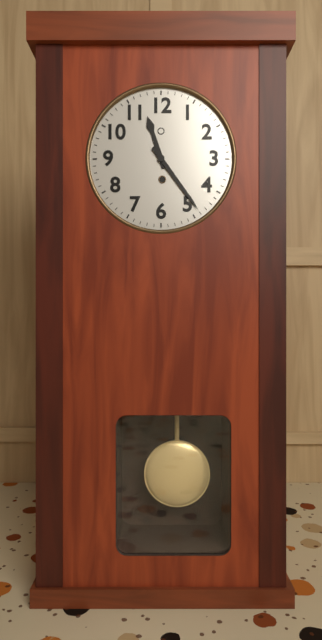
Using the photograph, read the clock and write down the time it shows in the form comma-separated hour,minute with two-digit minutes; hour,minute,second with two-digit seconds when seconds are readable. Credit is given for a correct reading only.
11,24
